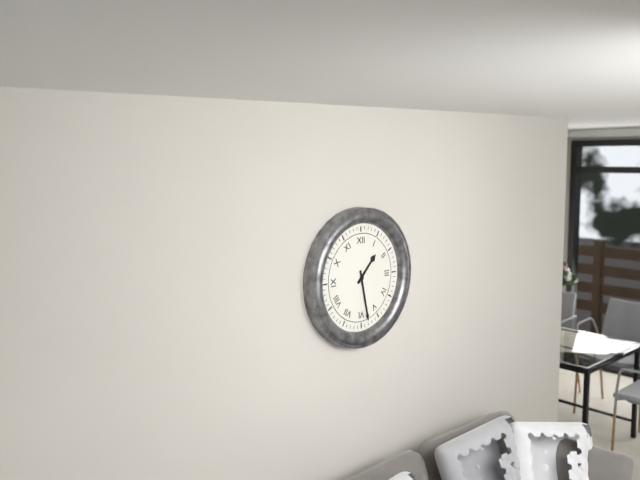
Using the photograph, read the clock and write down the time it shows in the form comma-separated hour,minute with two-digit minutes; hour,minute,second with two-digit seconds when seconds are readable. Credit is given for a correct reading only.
1,28
